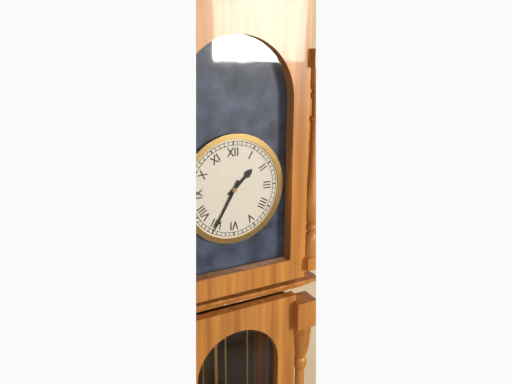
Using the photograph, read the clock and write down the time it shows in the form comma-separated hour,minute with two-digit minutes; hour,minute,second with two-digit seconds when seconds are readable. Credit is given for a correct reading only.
1,35
